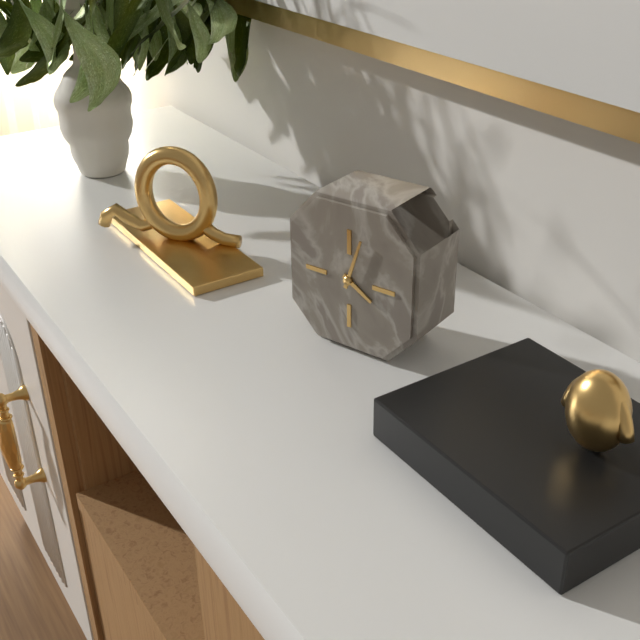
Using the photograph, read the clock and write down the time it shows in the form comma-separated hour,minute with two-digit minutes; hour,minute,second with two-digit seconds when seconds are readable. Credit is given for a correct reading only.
4,03
